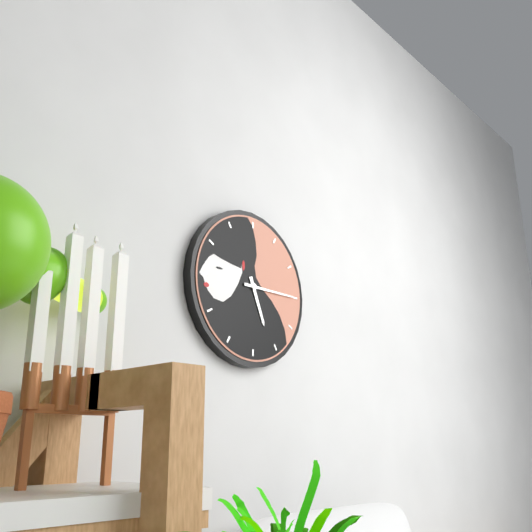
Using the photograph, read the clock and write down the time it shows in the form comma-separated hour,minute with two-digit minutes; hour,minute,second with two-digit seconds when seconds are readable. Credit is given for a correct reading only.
5,15
